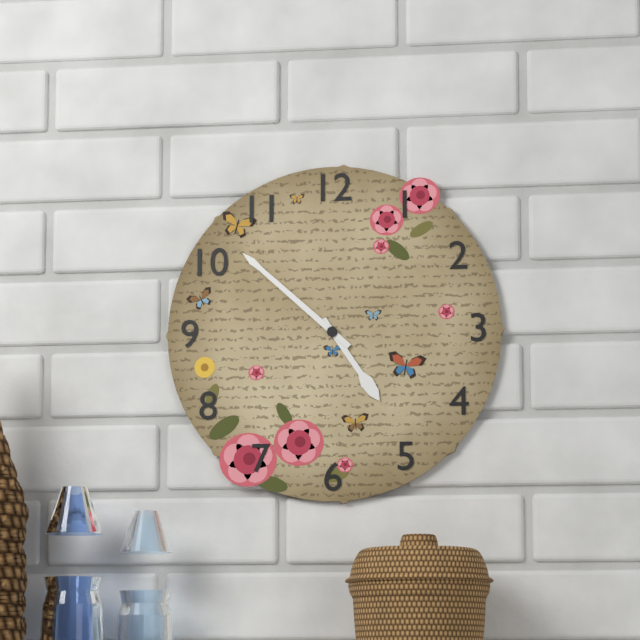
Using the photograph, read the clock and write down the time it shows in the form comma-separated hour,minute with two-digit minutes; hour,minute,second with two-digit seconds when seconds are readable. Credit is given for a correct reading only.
4,52
